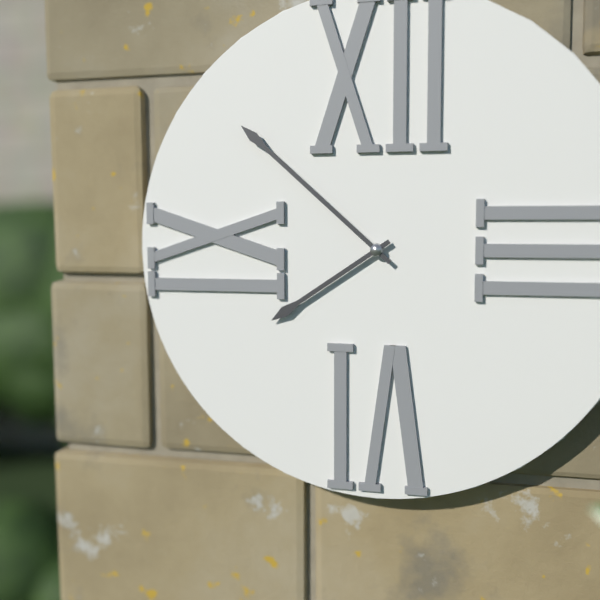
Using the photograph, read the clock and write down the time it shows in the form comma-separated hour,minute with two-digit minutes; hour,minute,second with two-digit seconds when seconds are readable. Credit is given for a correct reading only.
7,52
